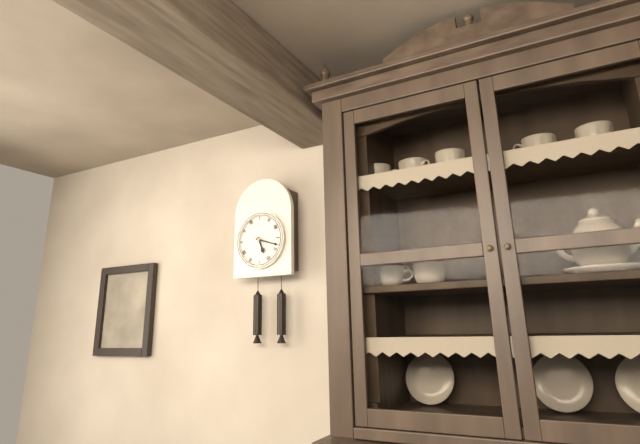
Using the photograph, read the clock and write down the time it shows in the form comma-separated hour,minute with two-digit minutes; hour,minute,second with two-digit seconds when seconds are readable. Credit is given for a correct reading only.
5,18
